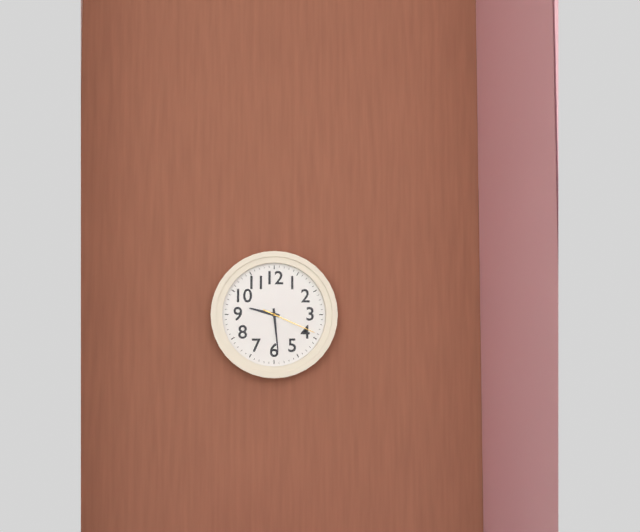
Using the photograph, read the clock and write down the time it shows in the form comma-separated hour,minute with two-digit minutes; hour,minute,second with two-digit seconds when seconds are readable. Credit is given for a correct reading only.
9,29,19
